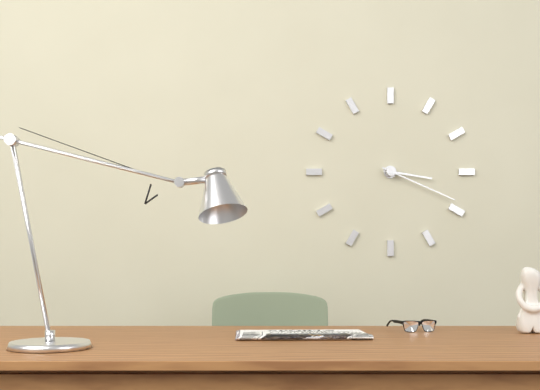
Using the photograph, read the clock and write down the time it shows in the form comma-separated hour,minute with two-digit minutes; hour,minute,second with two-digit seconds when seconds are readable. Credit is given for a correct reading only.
3,19
